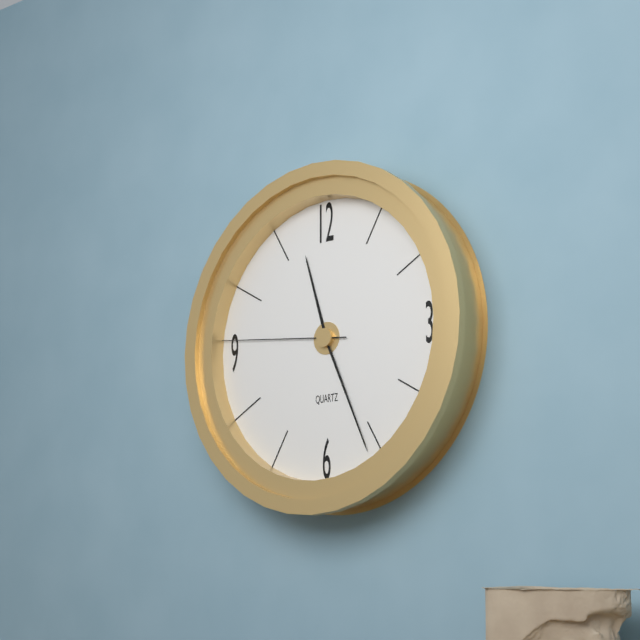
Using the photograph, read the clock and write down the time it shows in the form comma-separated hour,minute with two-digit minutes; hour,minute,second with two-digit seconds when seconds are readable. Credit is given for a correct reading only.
11,26,46
